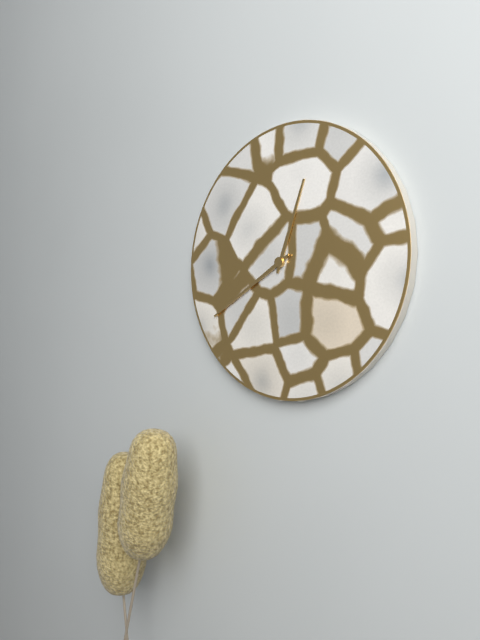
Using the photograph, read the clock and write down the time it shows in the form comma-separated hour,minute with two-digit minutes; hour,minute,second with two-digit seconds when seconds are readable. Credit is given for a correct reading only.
12,40
